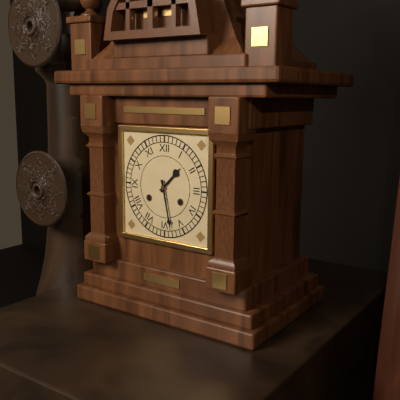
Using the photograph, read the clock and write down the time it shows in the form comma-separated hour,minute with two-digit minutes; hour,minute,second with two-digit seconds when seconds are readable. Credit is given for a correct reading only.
1,28
